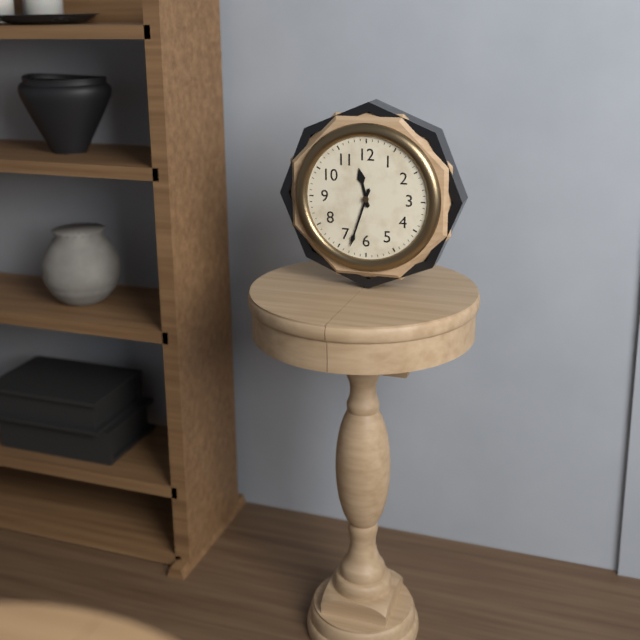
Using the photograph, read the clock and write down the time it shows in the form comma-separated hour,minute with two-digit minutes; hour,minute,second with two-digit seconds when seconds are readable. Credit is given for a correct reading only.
11,33
